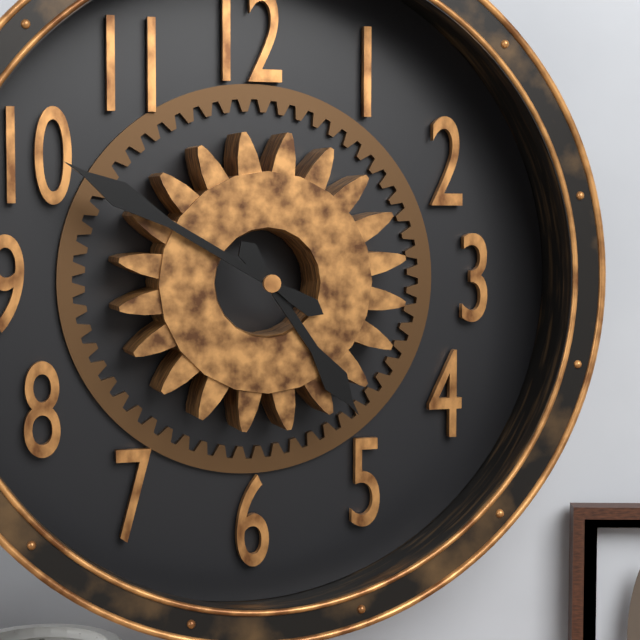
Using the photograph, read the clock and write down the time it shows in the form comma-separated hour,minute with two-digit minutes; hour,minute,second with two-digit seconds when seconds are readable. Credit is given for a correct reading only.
4,50
